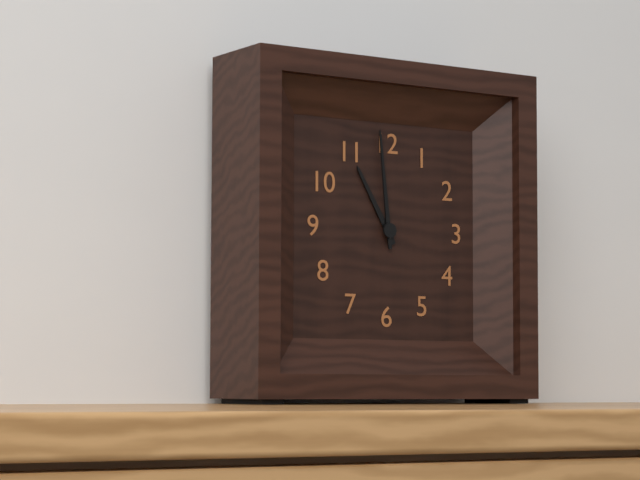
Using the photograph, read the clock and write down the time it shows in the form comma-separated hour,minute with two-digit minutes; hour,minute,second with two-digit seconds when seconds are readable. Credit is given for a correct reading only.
10,59
